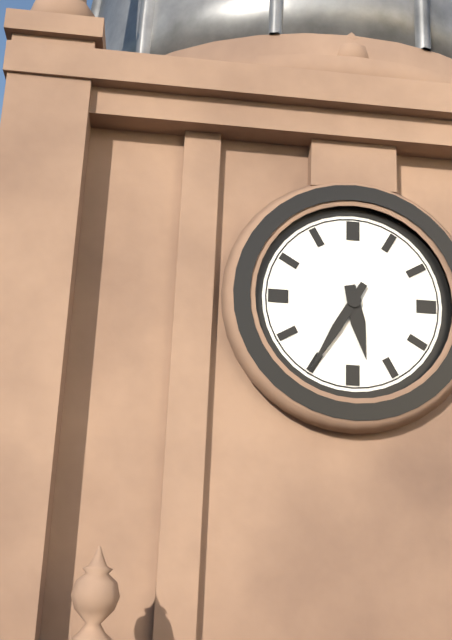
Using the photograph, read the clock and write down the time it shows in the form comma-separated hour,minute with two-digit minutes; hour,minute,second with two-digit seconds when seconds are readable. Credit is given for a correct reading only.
5,35
